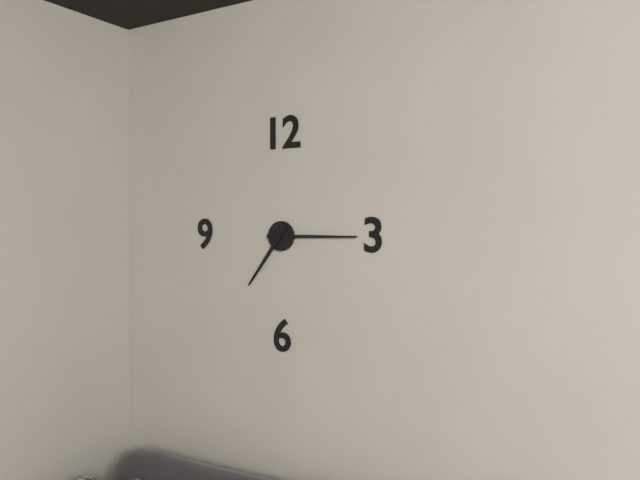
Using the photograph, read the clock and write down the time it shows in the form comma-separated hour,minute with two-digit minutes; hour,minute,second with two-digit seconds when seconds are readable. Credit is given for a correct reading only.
7,15
